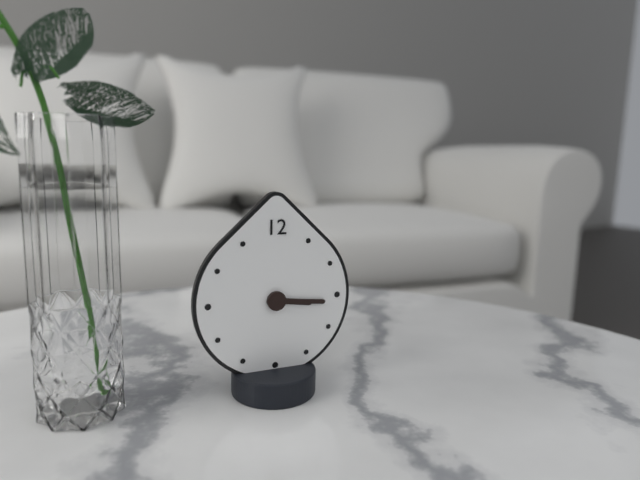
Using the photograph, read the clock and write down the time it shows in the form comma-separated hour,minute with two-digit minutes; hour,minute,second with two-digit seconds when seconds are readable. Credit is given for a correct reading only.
3,16
